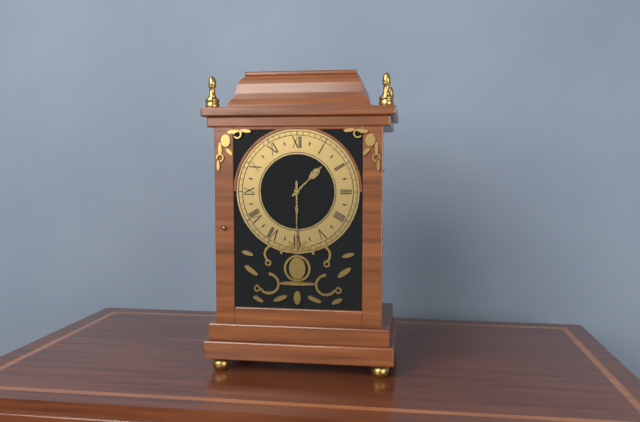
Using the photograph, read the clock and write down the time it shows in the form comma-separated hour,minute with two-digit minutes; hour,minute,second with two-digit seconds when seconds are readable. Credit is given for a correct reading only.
1,30
